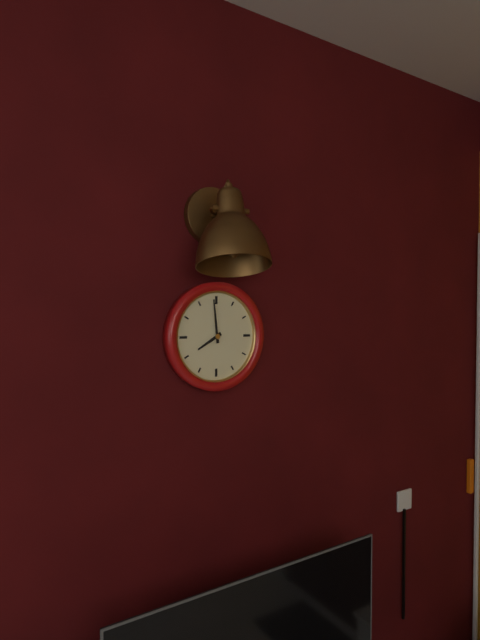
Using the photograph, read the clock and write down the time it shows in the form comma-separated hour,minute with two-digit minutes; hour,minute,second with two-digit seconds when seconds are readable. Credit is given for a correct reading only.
7,59
